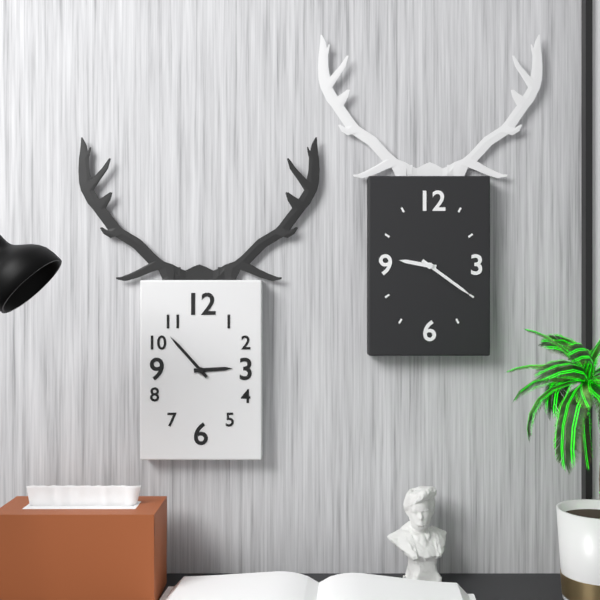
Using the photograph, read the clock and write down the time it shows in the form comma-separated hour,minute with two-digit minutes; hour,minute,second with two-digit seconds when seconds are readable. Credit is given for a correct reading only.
2,53
